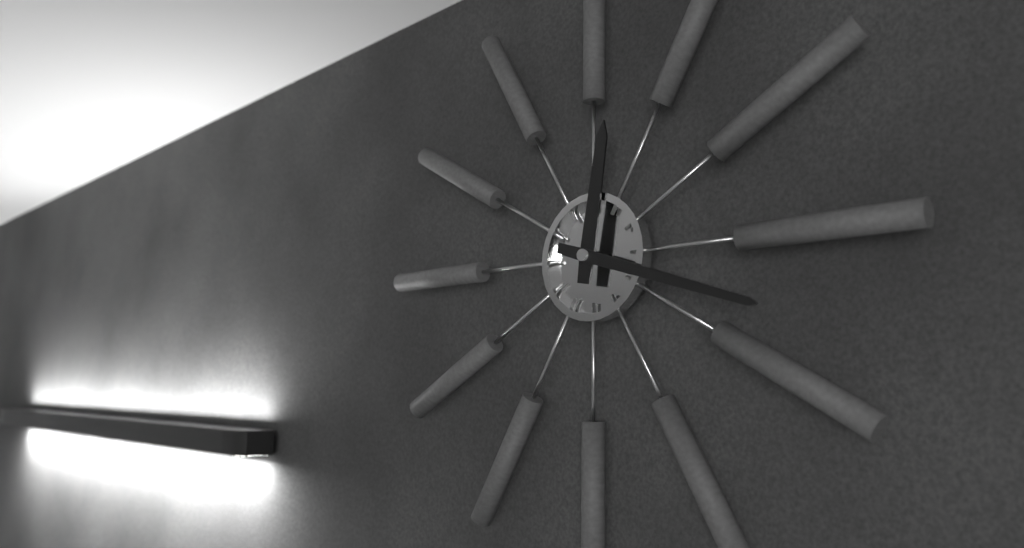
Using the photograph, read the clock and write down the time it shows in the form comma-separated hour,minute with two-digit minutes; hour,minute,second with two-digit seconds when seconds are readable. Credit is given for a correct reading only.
12,18
